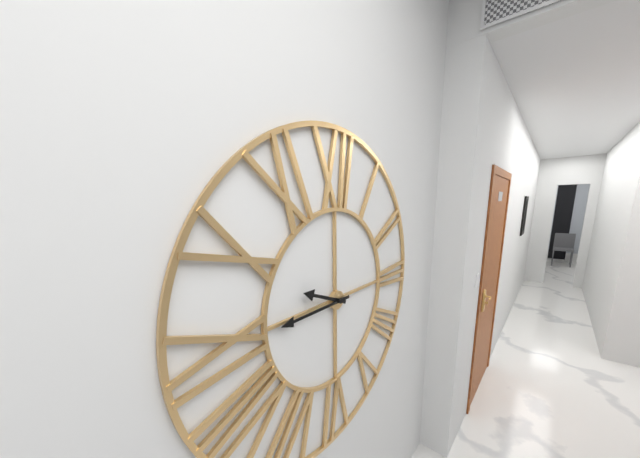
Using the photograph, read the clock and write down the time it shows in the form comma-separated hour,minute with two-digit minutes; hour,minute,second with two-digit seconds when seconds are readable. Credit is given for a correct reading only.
9,45
